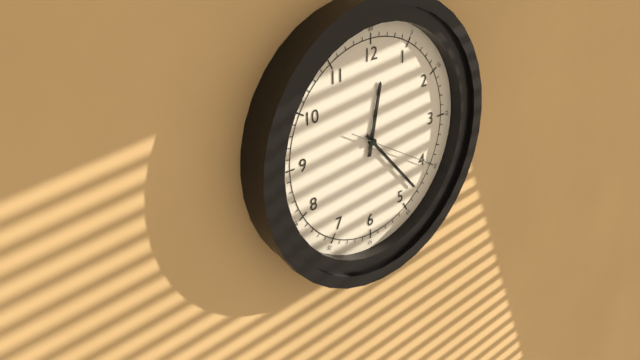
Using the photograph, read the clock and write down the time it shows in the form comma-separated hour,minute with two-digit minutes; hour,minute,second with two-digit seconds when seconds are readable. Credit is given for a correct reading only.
12,23,20
